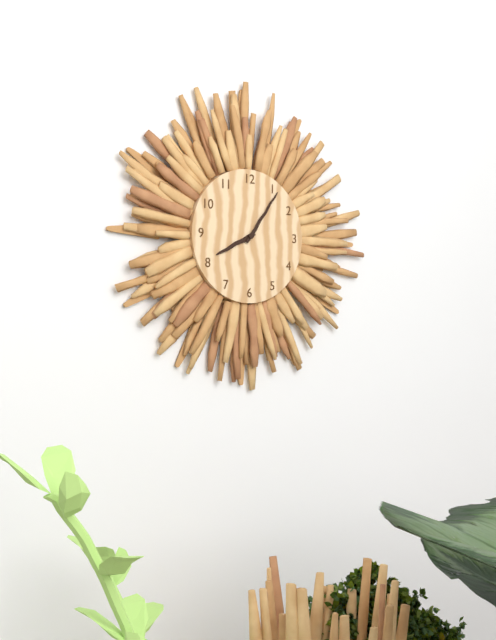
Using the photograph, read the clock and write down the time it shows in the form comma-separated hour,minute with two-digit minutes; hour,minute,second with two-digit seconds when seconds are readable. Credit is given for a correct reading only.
8,06
